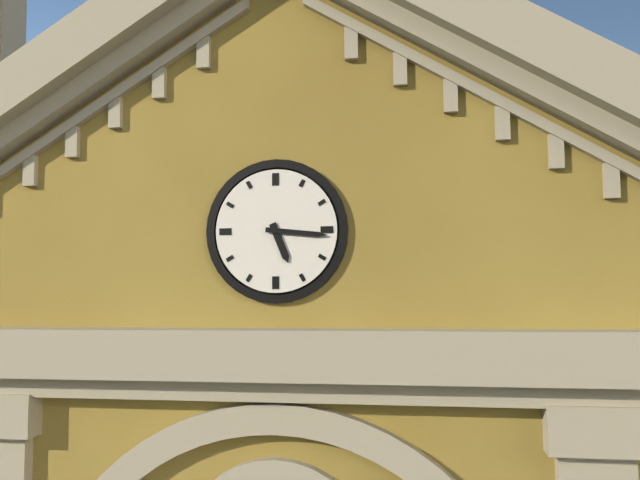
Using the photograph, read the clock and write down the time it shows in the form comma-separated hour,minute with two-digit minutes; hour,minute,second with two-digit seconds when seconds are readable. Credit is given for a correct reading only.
5,16
